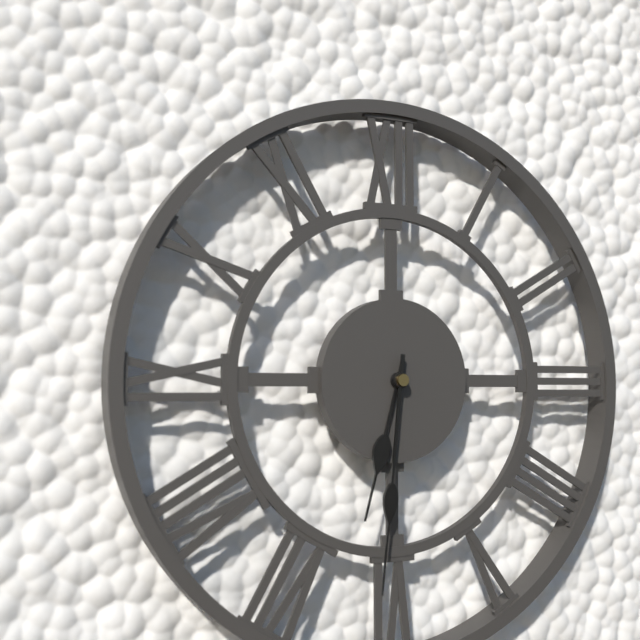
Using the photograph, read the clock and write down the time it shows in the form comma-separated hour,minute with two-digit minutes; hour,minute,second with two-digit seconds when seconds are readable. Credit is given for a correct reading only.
6,31
